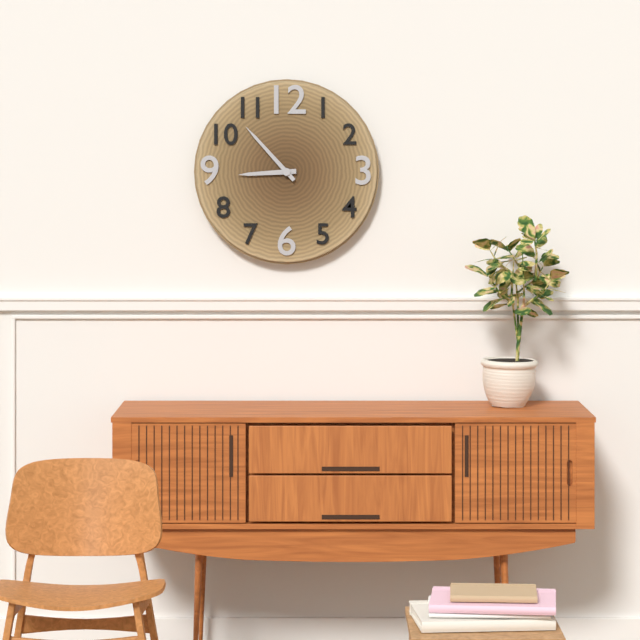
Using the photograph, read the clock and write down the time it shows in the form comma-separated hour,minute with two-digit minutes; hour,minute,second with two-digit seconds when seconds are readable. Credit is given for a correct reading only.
8,53
